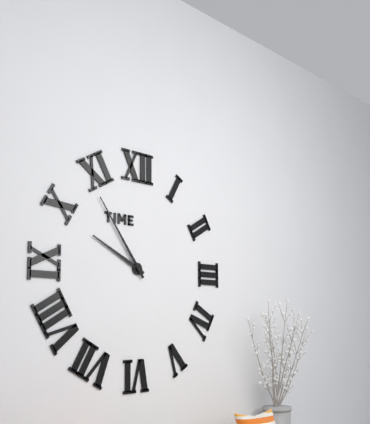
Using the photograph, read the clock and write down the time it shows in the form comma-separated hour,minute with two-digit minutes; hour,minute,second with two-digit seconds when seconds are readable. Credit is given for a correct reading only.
9,54
